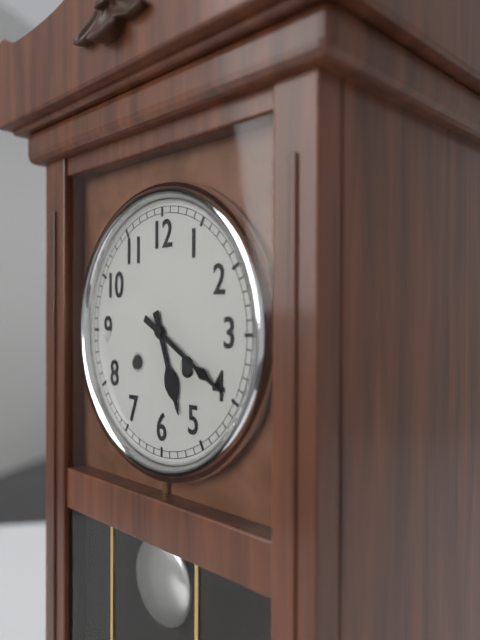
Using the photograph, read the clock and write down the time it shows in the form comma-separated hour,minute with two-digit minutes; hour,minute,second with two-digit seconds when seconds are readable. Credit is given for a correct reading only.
5,20
